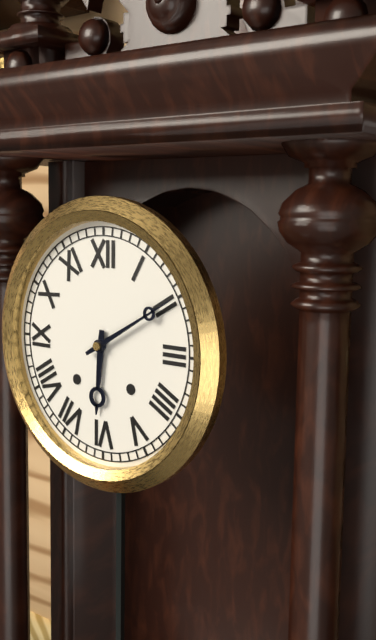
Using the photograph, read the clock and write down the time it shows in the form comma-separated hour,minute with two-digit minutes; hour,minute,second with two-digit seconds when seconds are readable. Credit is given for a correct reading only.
6,10
